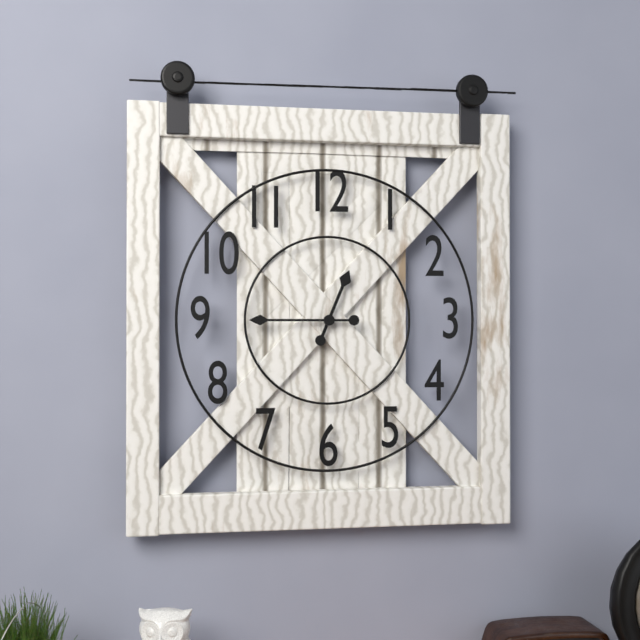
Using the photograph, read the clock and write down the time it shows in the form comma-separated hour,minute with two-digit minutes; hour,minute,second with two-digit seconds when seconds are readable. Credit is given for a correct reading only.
12,45
